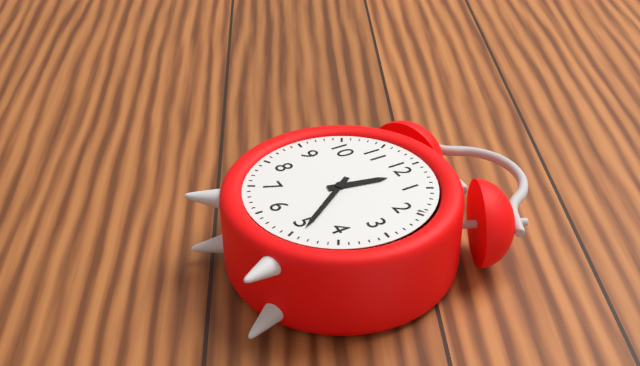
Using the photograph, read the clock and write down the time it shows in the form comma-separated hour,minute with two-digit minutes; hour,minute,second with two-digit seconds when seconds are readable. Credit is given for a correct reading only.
12,24
